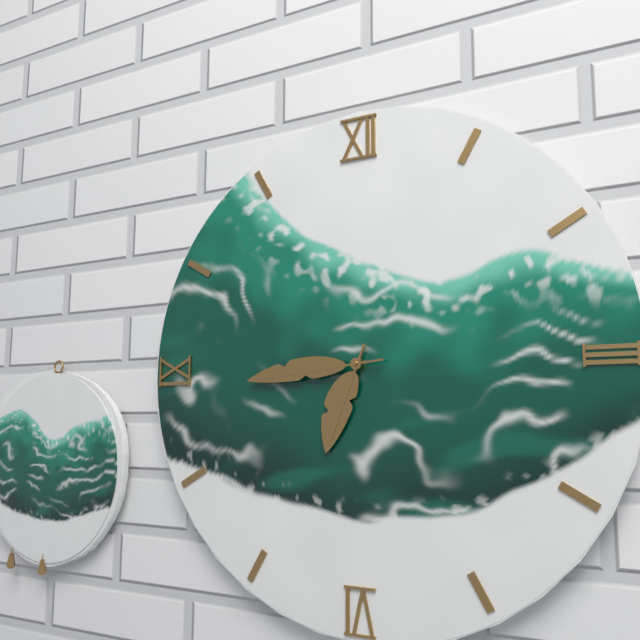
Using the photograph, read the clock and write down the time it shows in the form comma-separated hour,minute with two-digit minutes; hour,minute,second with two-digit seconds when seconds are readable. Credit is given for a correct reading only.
6,44
